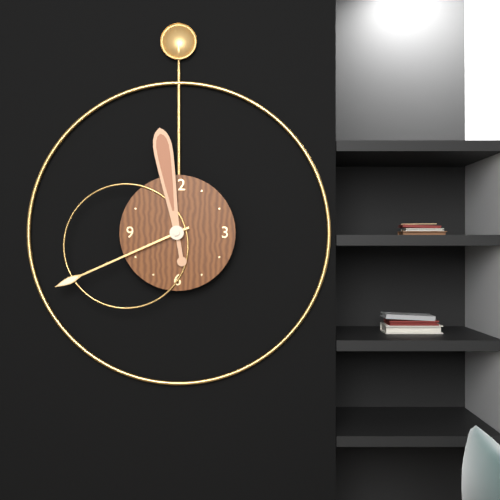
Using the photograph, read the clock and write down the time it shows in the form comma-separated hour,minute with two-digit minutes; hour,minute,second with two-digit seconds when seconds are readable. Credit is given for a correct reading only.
11,41
